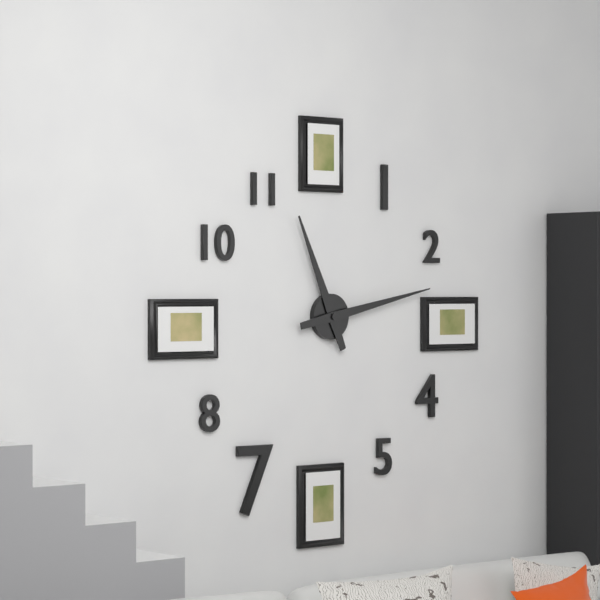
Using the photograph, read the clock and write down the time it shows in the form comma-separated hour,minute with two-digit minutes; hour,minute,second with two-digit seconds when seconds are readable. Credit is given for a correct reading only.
11,13
